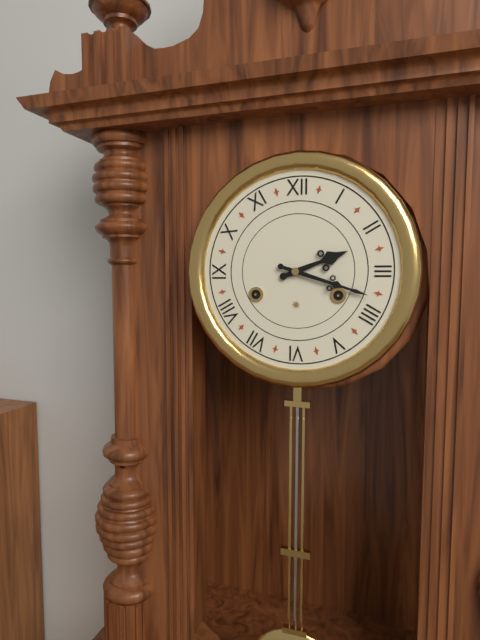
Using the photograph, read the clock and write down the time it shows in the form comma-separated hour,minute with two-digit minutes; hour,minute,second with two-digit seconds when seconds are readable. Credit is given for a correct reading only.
2,18
